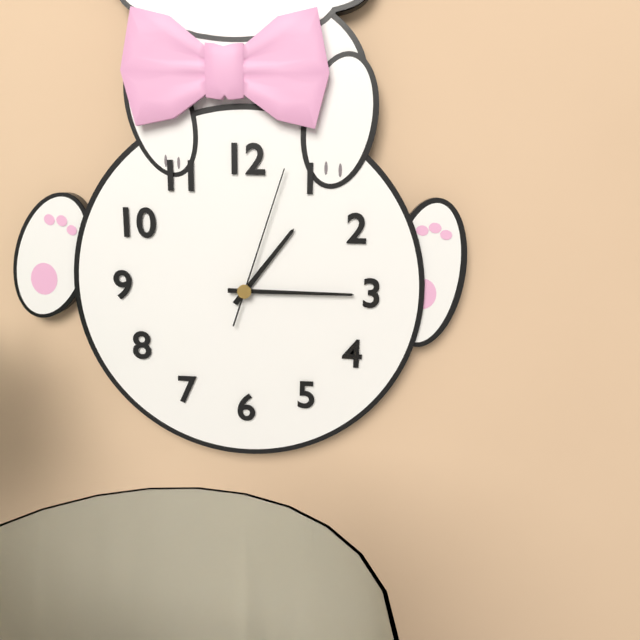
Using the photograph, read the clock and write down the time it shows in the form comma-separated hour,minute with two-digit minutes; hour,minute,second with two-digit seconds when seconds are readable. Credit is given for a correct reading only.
1,15,03
